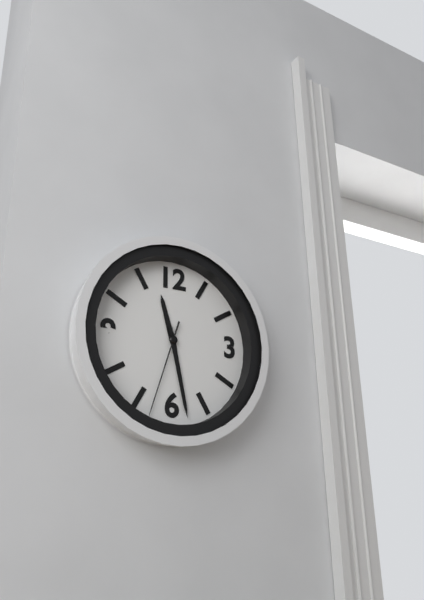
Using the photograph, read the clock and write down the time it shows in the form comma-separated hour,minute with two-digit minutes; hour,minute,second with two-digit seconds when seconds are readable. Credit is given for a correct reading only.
11,28,33
